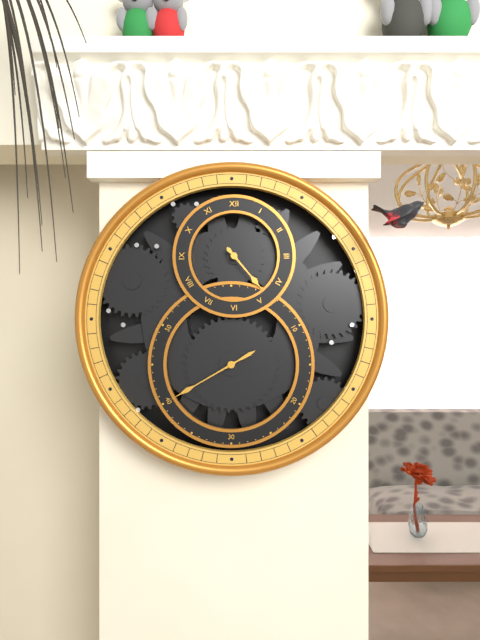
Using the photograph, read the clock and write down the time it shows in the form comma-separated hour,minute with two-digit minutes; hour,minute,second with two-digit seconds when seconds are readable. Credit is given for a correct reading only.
4,40
